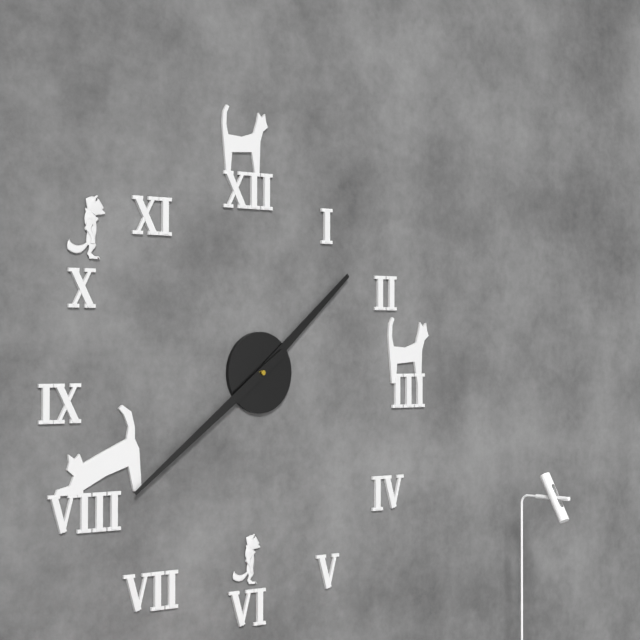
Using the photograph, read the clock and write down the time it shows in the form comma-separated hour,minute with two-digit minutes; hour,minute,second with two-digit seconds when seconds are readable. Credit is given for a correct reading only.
1,39
